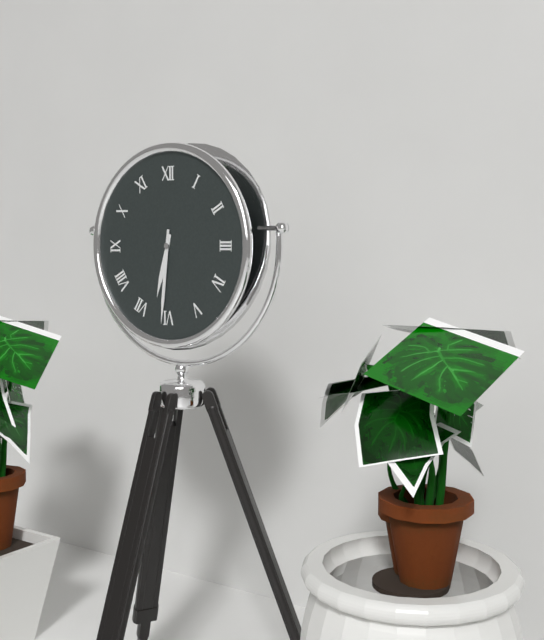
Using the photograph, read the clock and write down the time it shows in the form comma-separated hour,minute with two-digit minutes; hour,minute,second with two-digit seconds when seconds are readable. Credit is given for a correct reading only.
6,31
